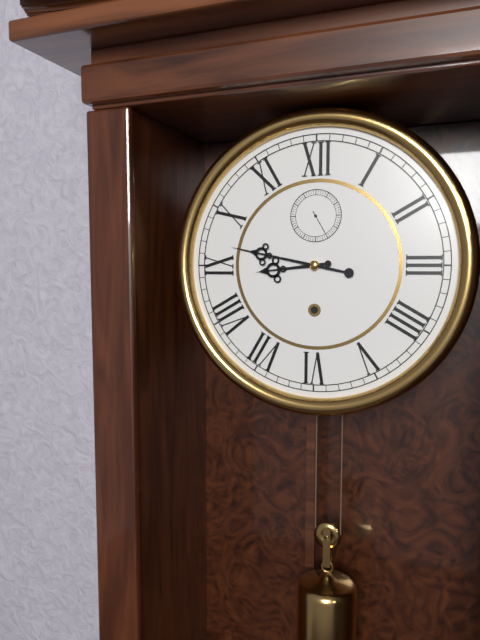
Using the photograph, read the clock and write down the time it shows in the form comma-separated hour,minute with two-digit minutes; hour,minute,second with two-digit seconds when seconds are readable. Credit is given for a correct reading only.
8,47
